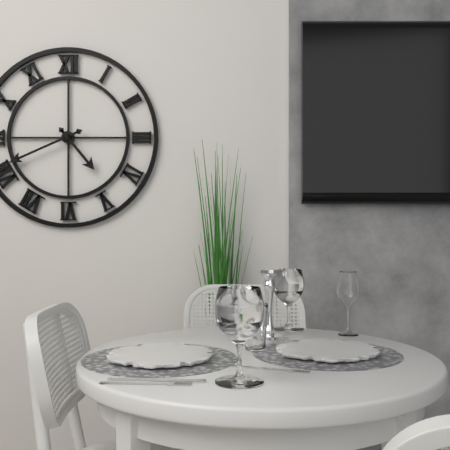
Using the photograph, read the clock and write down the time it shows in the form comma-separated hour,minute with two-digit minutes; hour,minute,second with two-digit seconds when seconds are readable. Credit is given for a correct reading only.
4,41
